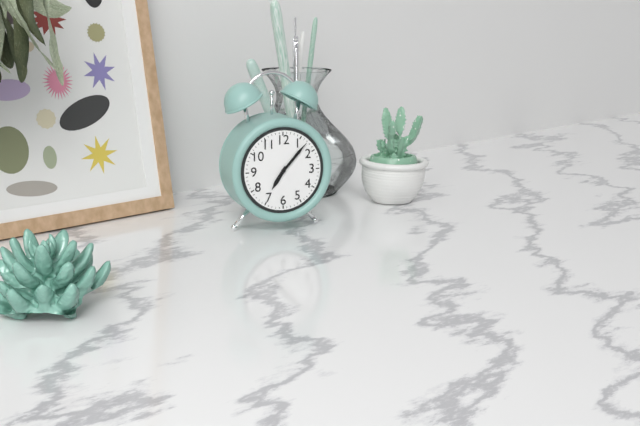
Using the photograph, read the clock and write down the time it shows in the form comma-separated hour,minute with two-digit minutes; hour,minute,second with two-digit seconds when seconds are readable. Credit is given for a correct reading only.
7,07
